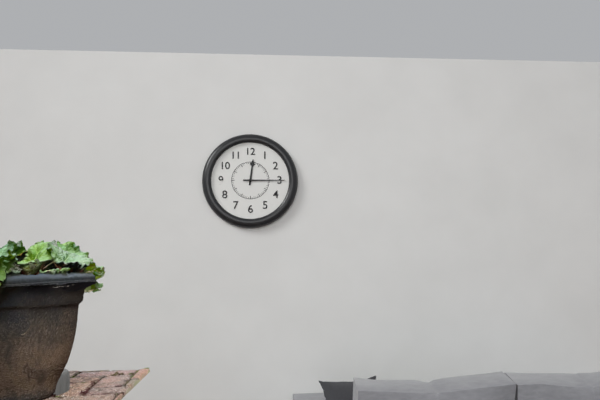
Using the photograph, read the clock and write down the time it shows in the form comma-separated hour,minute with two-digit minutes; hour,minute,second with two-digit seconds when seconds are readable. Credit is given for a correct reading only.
12,15
